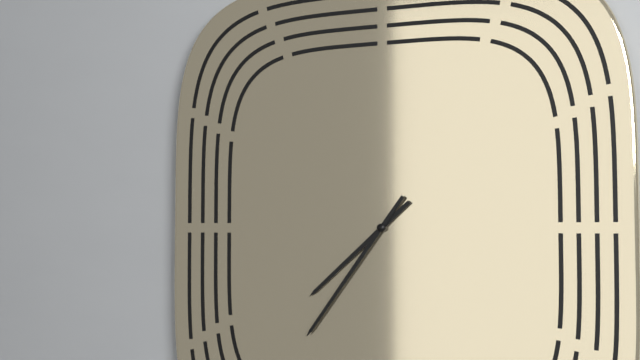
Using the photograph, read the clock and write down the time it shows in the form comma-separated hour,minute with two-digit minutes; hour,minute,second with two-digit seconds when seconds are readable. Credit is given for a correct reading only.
7,36
